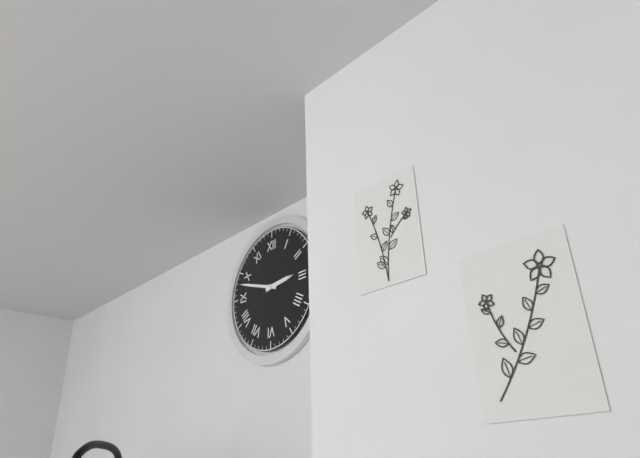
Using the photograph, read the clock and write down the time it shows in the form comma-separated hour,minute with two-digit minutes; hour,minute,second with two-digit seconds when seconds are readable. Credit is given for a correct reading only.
2,48
